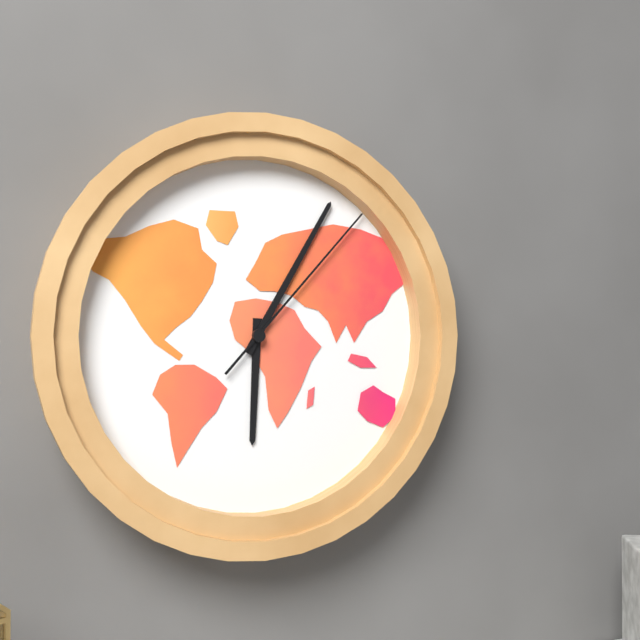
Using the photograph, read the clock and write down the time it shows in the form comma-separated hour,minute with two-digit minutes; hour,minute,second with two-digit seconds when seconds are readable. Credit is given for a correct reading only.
6,05,07
